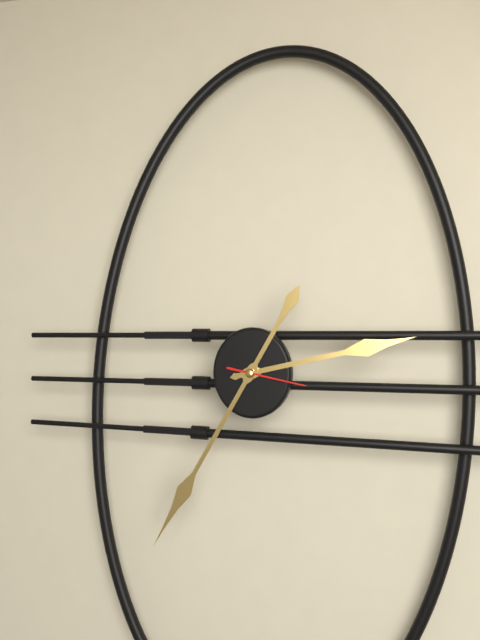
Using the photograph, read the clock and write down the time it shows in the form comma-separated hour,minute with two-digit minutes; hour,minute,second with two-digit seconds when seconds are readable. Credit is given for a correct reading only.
2,35,17
